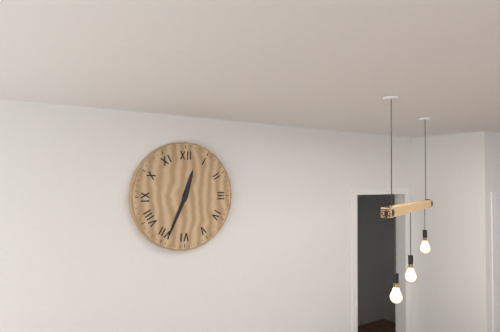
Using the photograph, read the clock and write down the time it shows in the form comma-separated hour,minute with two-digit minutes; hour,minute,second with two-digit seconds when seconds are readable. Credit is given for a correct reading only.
12,34
